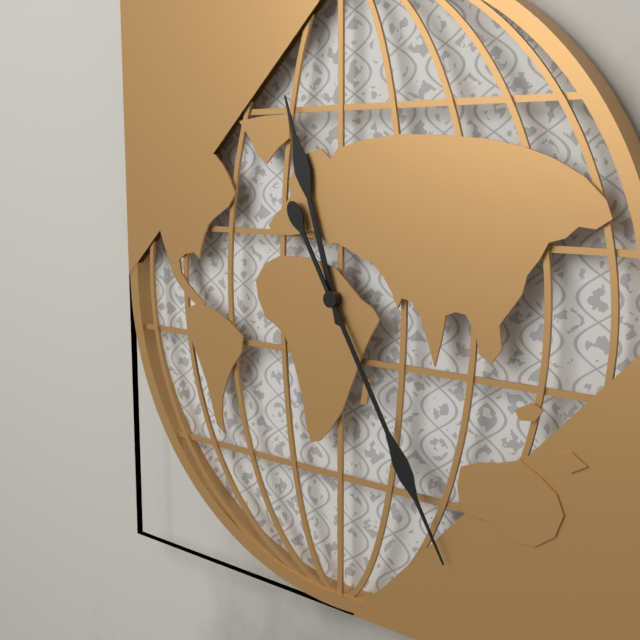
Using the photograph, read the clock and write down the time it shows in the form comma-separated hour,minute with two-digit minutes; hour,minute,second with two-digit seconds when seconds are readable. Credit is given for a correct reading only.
11,25
